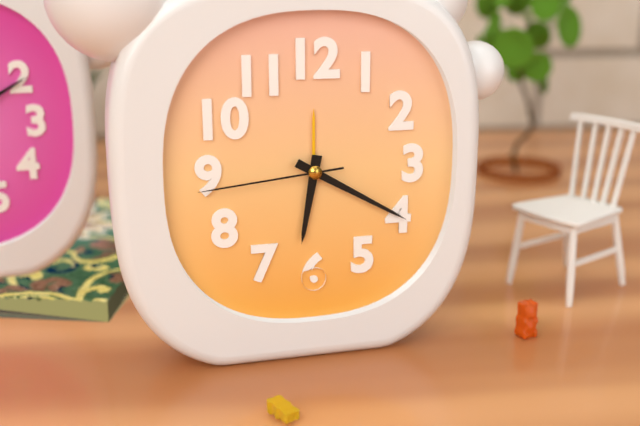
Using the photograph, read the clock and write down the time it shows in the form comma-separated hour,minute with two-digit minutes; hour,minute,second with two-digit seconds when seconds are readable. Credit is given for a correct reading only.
6,20,44
